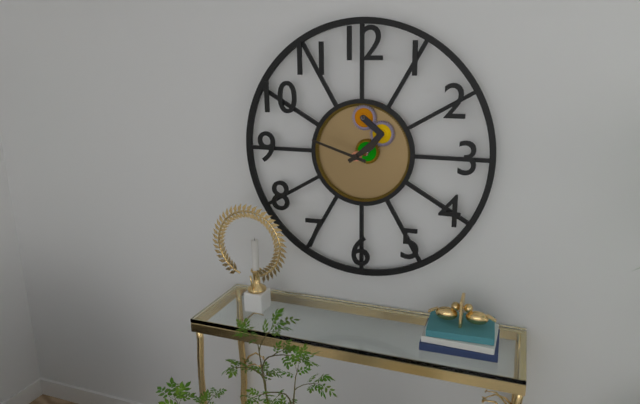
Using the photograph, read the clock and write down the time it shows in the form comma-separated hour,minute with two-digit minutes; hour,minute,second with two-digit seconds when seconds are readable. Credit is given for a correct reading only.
1,48
